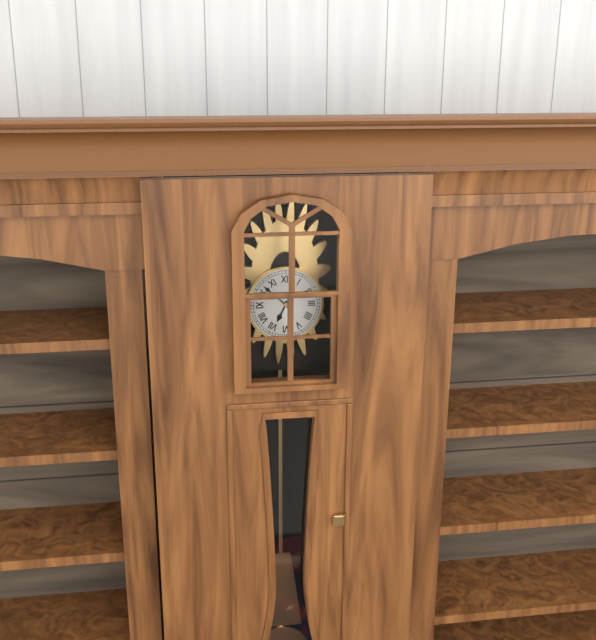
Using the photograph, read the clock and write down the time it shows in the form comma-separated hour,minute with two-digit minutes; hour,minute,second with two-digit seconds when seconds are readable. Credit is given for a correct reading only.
6,52
